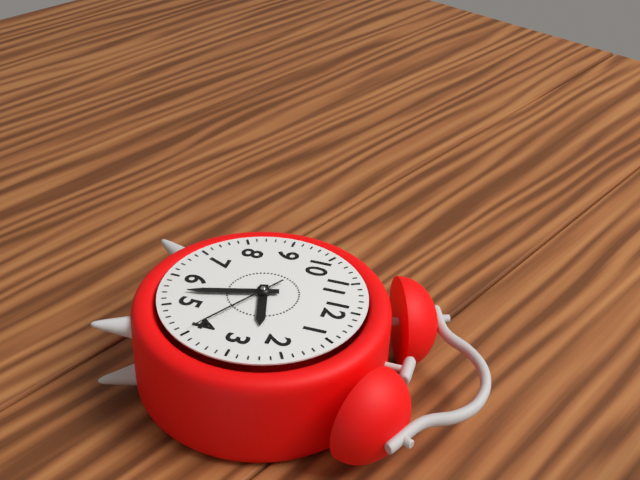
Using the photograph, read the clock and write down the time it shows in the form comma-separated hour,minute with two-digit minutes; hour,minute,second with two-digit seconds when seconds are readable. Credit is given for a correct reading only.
2,27,20
